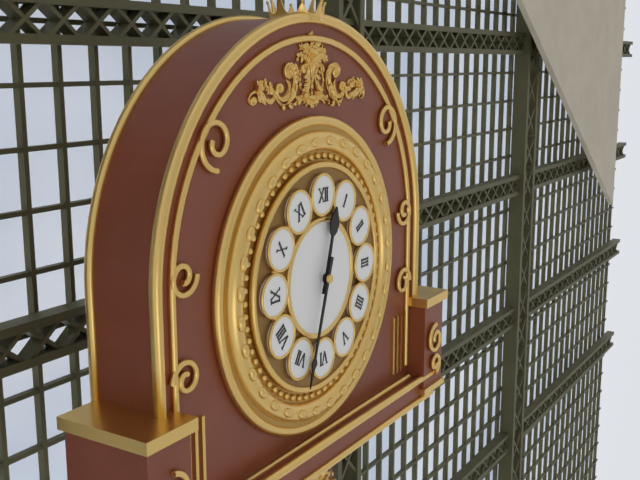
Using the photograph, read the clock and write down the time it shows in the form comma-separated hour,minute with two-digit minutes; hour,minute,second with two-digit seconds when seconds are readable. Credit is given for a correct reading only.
12,33
